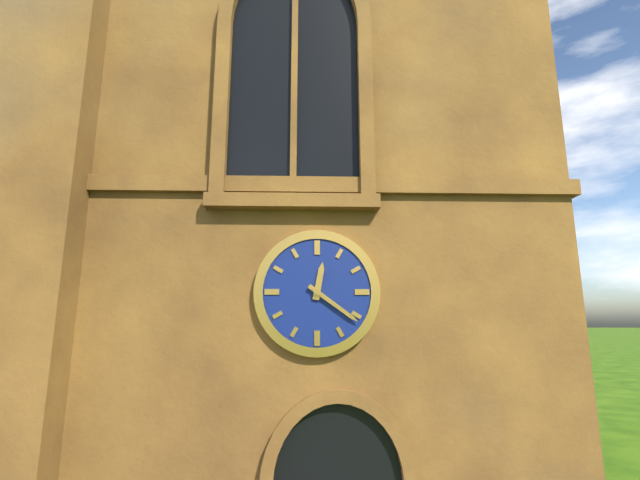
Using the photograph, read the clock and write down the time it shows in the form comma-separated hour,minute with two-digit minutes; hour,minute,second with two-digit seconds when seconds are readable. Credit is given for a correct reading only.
12,21
